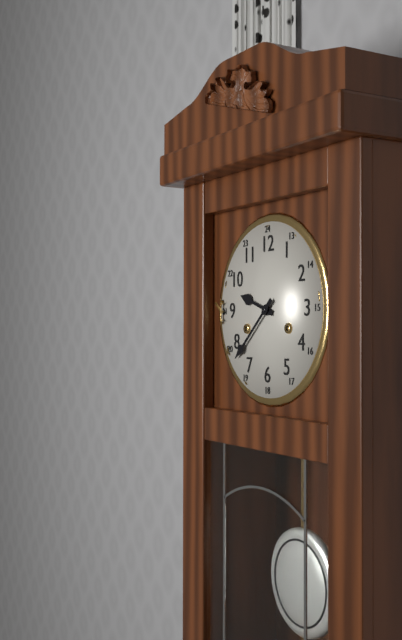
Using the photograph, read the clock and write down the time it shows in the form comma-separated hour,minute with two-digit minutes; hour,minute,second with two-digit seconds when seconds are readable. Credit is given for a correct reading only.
9,38
